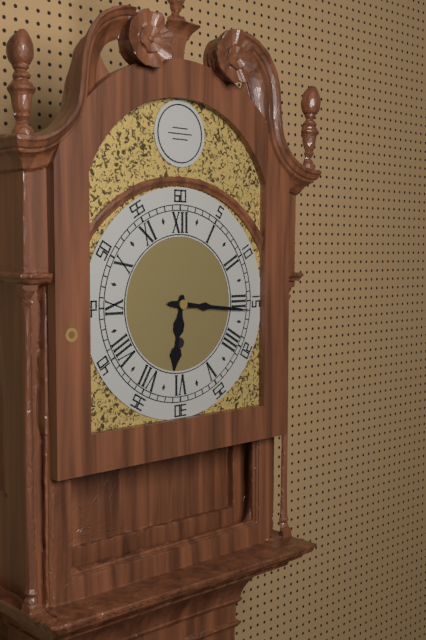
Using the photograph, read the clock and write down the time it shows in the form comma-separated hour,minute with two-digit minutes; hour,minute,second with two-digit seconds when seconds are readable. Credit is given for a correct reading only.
6,16
